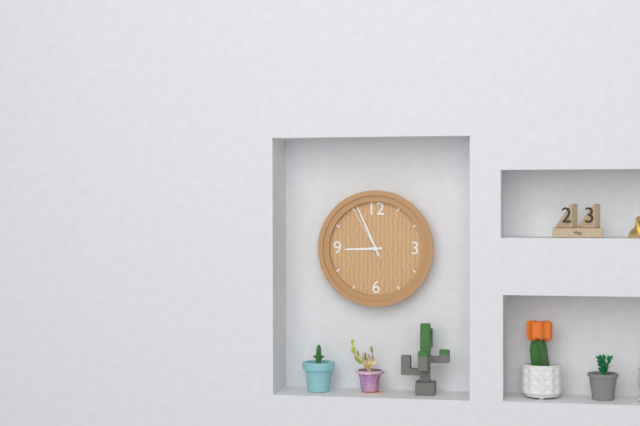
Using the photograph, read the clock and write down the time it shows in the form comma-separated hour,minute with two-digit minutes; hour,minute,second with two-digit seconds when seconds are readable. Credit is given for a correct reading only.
8,56,55
